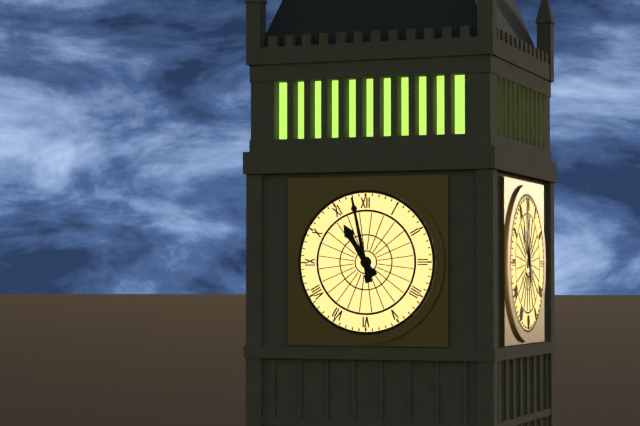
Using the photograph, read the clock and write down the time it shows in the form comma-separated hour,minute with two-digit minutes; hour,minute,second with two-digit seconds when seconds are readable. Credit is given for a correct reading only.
10,58
